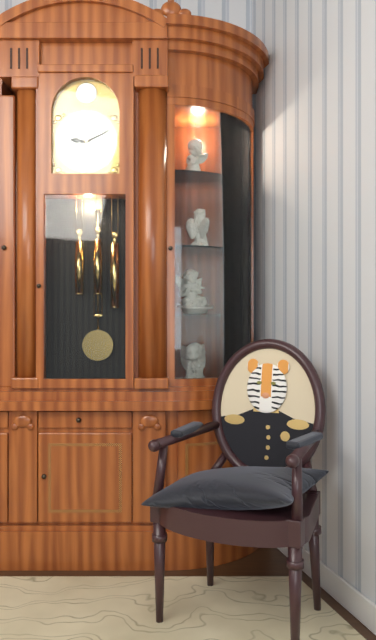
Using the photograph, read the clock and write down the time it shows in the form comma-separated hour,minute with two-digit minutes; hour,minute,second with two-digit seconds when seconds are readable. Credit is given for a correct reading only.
9,11
